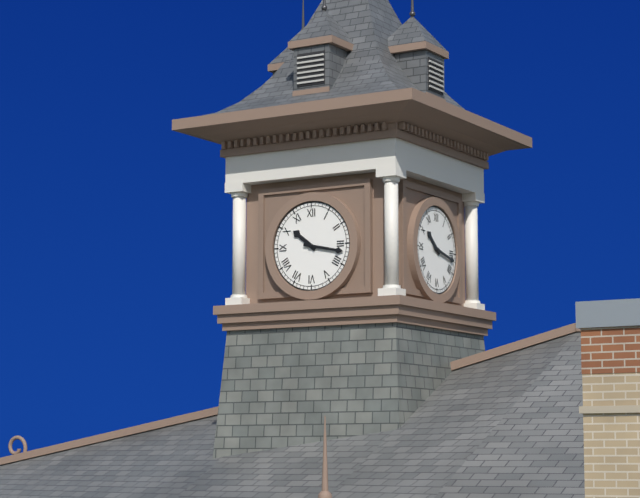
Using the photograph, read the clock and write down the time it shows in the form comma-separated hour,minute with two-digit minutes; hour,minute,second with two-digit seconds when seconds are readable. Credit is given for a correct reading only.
10,17
